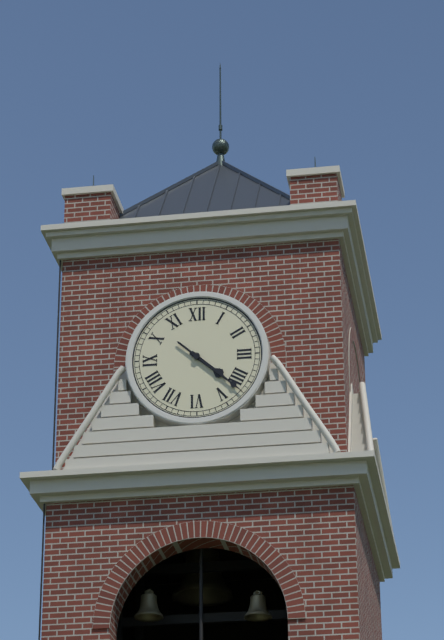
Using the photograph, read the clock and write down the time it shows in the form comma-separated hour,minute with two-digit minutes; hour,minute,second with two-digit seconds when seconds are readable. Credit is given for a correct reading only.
4,22
